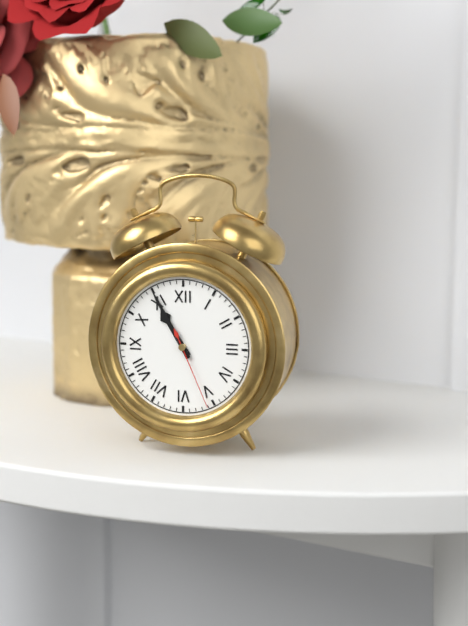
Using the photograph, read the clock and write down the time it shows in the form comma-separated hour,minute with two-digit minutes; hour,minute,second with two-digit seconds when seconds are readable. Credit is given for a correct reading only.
10,55,26
